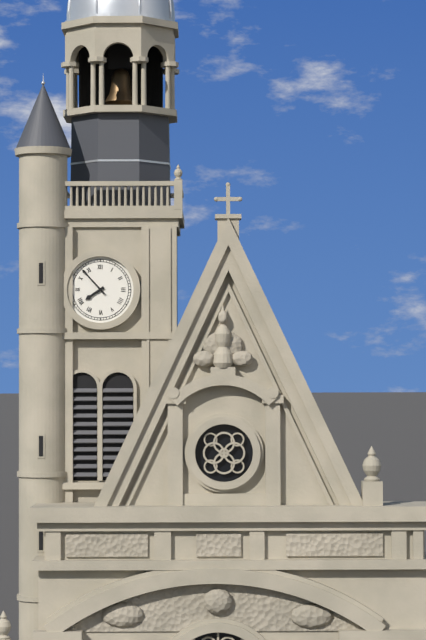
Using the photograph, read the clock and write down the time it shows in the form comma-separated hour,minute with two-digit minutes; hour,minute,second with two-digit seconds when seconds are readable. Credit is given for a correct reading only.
7,53
